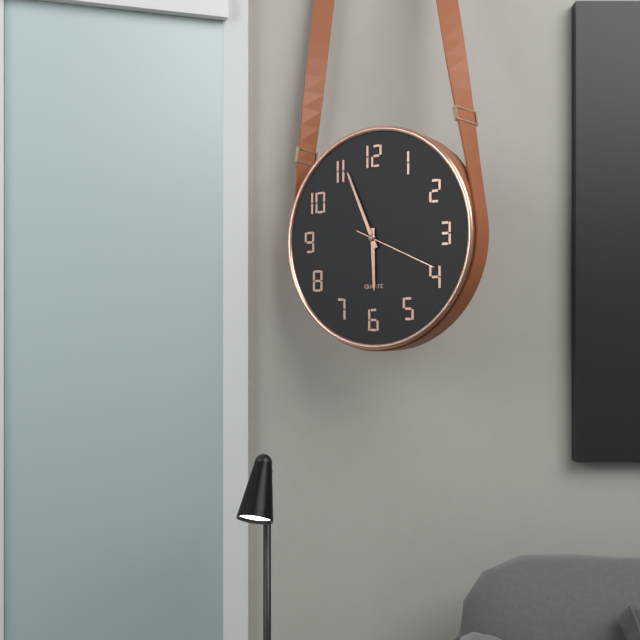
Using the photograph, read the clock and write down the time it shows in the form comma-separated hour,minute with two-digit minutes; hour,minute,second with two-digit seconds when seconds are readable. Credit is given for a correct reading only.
5,56,19
